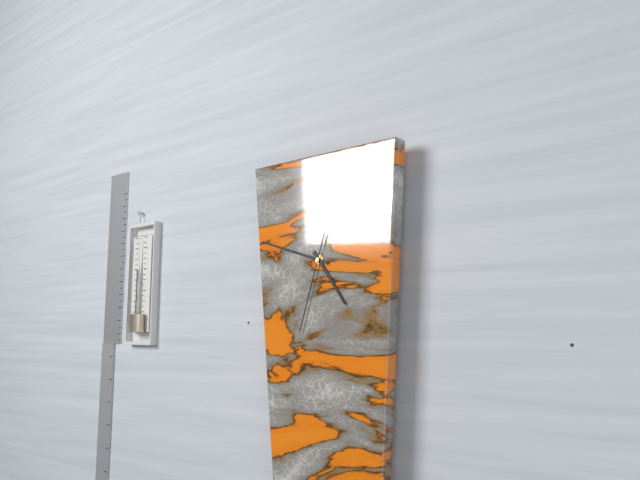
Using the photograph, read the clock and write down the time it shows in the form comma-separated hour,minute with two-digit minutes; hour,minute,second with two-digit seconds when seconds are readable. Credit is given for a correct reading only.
4,48,33
